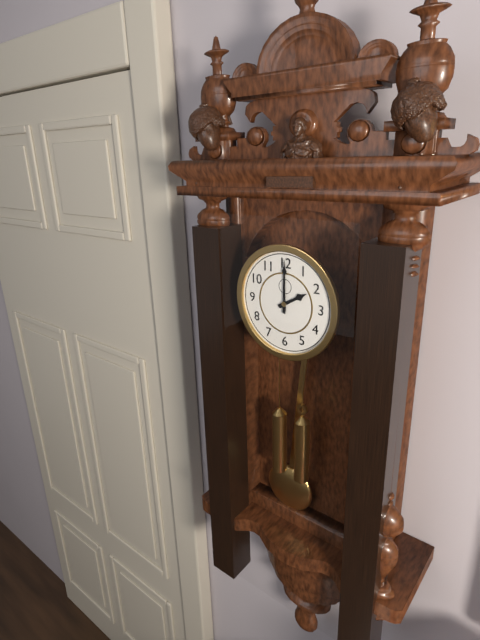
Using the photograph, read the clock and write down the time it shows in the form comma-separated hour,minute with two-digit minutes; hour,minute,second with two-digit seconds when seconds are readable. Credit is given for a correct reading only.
2,00
